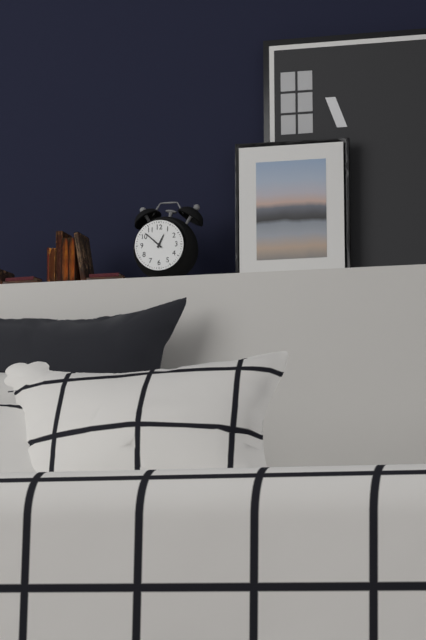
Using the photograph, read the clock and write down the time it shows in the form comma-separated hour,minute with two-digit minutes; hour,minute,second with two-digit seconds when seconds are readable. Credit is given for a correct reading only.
12,52
